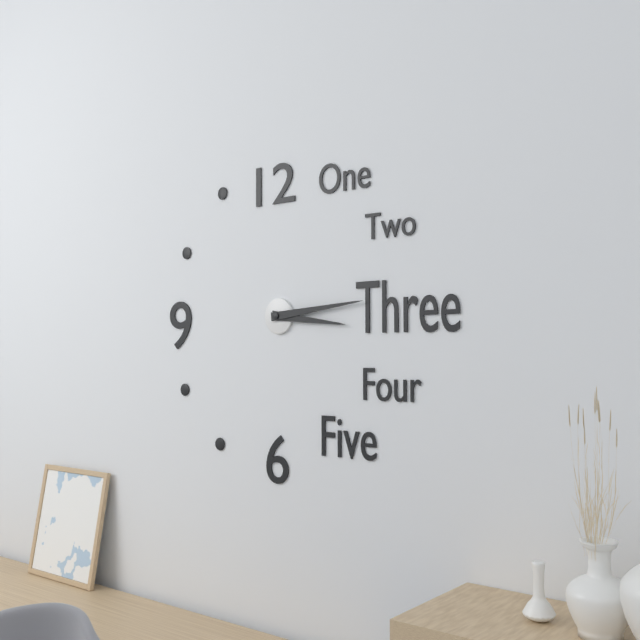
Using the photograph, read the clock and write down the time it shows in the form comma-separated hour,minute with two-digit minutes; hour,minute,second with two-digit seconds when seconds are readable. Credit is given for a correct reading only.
3,14
